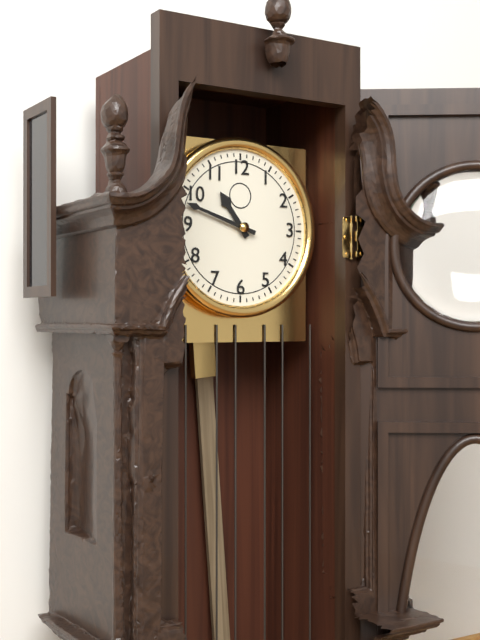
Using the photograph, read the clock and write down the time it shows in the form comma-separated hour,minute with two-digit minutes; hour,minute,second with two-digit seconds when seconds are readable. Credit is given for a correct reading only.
10,48
